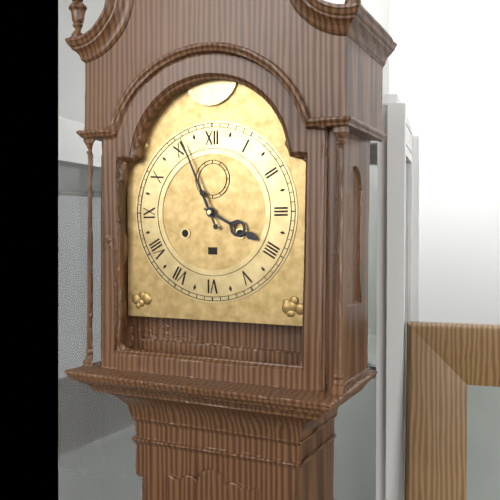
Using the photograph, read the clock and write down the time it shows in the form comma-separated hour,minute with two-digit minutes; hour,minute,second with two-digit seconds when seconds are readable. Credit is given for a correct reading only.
3,56
